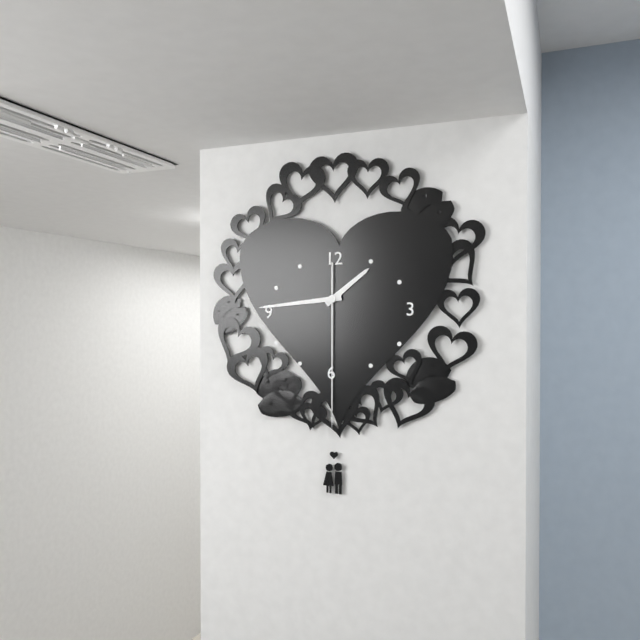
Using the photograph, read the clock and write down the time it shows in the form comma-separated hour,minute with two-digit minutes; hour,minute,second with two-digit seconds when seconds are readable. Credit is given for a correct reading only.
1,44,30
